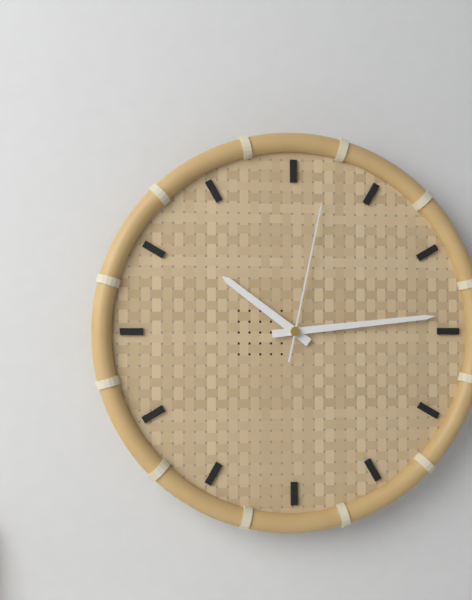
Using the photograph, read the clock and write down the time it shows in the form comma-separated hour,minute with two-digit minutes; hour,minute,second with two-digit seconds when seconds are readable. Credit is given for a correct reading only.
10,14,02
